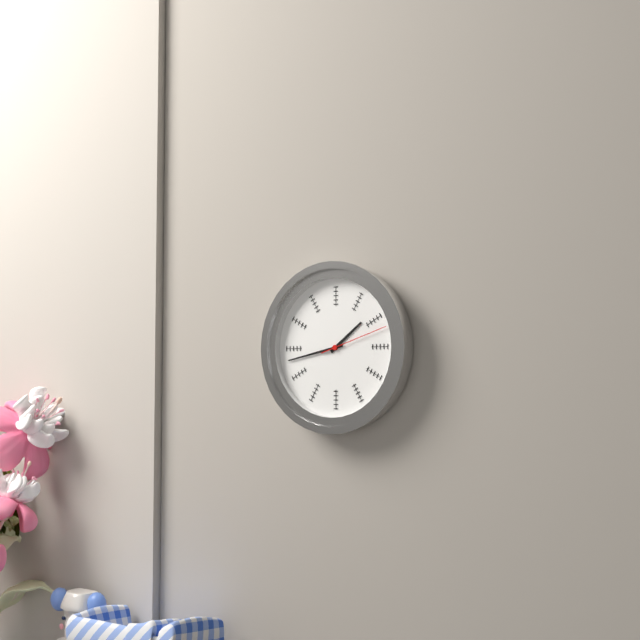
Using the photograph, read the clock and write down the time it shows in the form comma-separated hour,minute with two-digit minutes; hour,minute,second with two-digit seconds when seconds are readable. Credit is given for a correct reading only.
1,43,12
